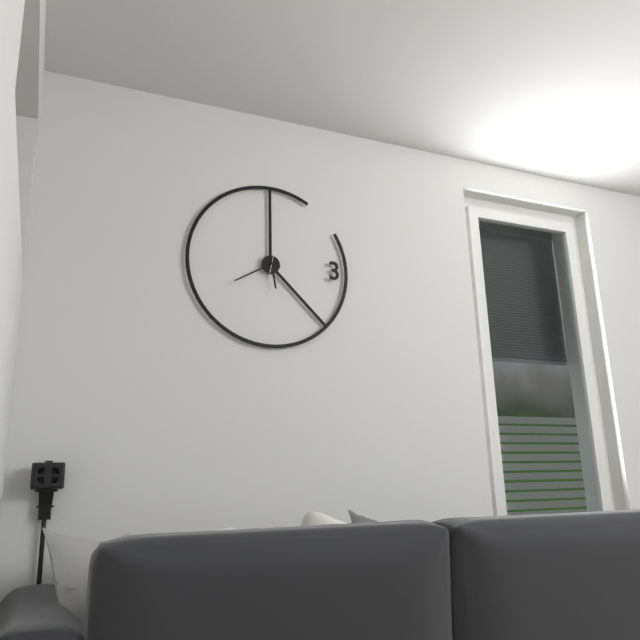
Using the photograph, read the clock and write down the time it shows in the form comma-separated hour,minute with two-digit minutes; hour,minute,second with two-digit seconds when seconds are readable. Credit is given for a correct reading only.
5,40
